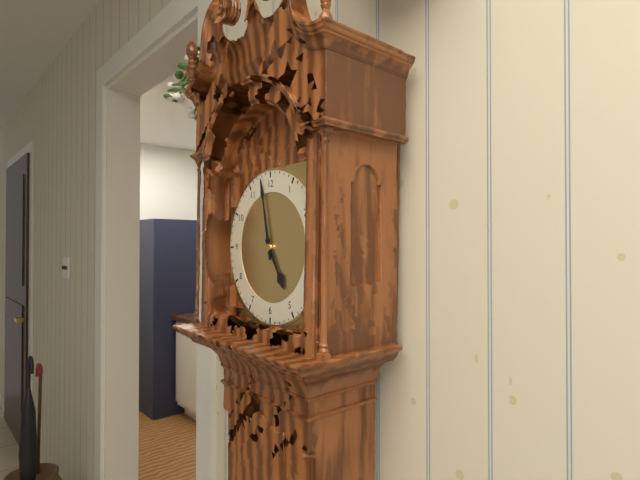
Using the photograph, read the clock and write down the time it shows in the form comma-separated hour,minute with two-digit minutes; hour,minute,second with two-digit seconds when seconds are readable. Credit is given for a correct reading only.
4,58
